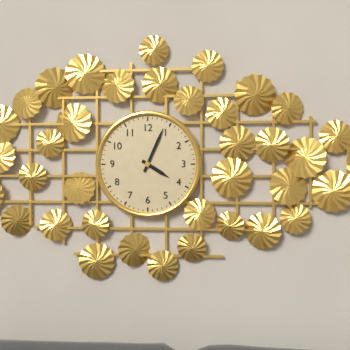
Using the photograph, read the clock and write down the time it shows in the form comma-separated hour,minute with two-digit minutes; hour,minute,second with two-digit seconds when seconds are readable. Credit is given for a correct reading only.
4,04
